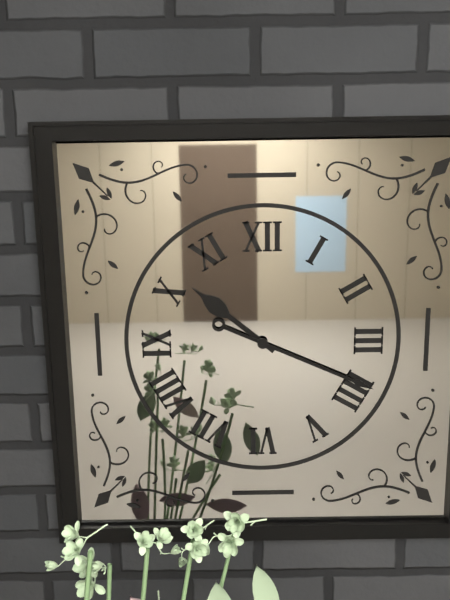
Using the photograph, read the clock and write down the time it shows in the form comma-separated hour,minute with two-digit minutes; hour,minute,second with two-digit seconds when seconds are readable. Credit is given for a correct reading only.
10,19
